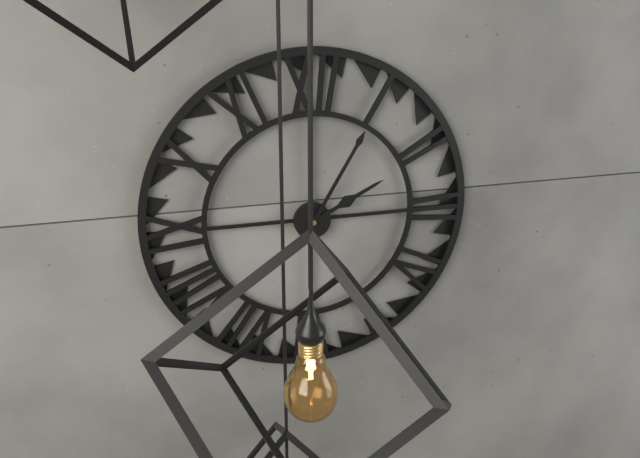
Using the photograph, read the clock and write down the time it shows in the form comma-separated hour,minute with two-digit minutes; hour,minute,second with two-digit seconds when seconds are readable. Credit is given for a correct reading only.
2,05
